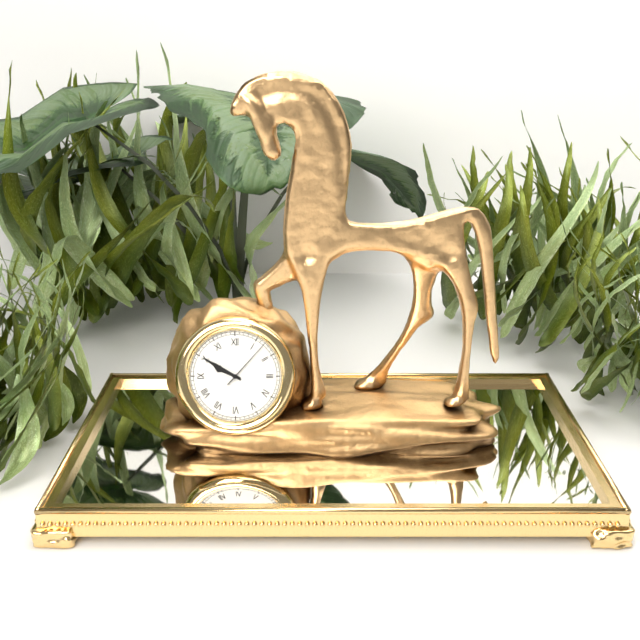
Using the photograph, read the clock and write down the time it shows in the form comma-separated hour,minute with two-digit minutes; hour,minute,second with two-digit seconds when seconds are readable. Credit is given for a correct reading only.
9,50,07
